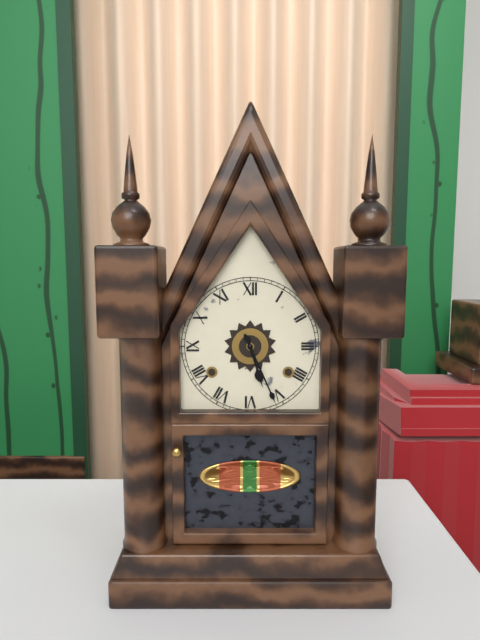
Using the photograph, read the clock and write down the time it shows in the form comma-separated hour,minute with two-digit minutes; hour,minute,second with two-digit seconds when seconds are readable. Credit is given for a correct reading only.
5,26
